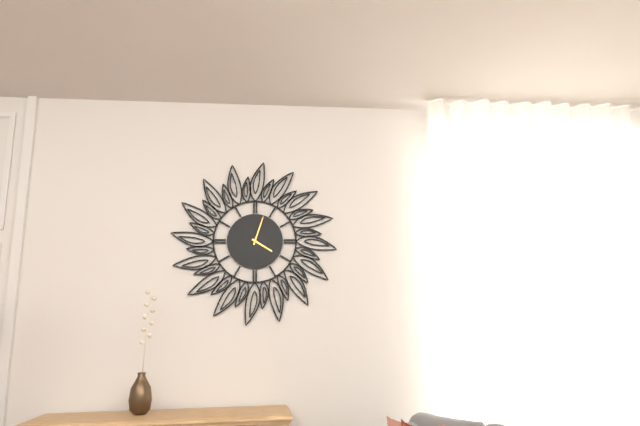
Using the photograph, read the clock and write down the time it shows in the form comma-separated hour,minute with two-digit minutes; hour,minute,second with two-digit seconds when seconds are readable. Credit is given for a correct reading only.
4,03
